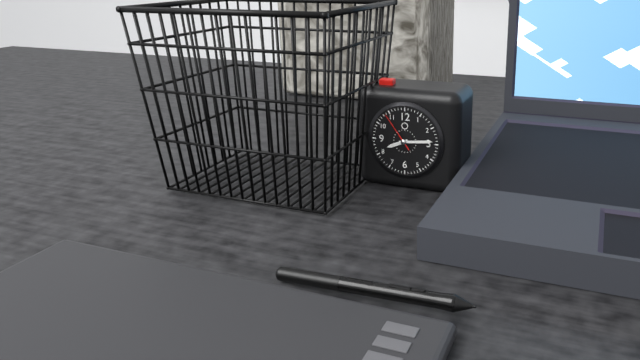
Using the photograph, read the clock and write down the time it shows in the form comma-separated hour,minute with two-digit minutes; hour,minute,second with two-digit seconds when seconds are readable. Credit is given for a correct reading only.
8,14
